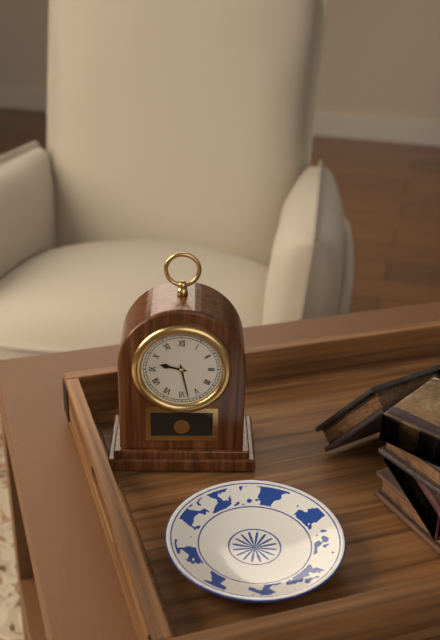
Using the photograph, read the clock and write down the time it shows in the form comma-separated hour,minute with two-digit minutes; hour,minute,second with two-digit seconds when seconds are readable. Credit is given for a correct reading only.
9,28
